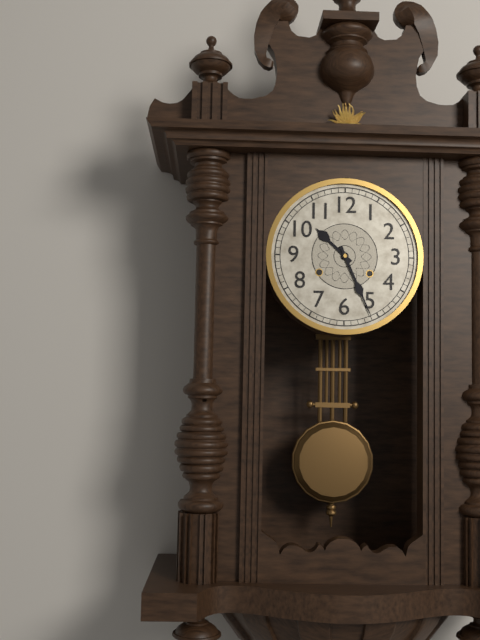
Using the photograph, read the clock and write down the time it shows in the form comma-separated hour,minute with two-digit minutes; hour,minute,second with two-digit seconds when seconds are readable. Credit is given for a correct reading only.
10,26
